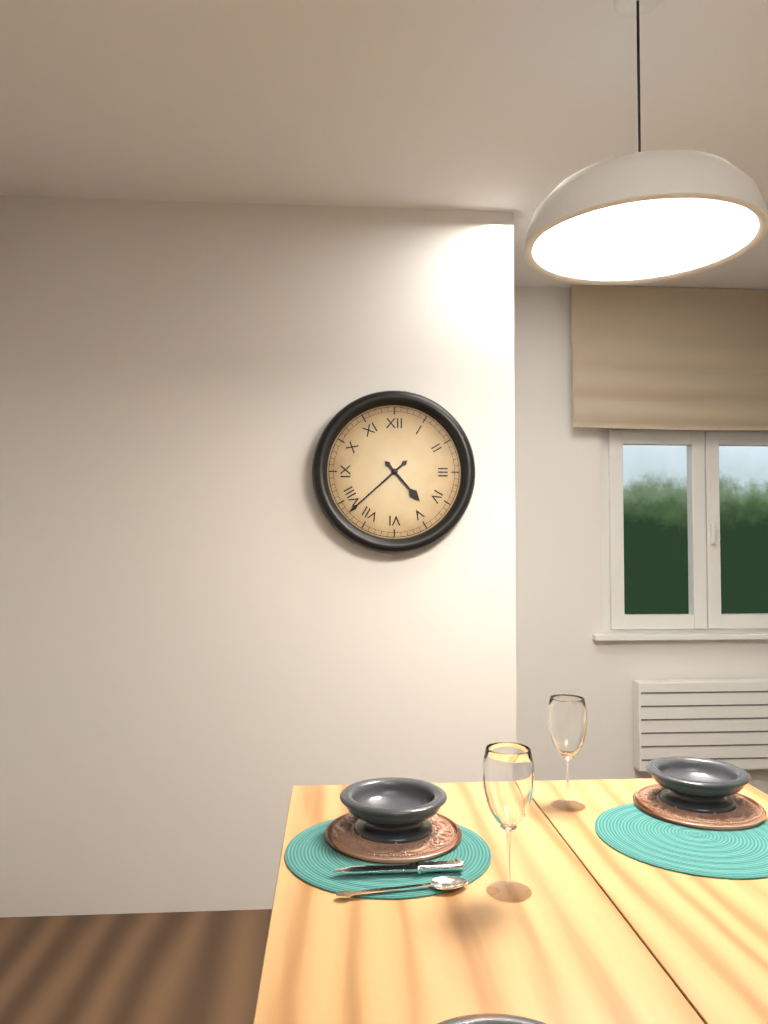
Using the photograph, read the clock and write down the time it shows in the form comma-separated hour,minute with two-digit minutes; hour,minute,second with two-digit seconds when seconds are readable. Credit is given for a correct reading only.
4,38
